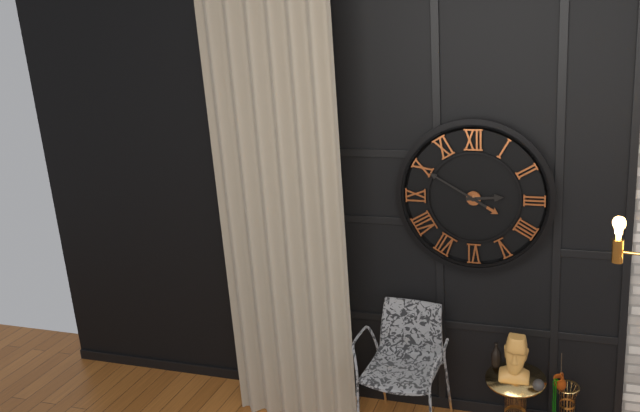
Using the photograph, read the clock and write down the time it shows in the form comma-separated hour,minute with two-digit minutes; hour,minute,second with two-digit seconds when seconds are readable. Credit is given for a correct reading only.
2,50
